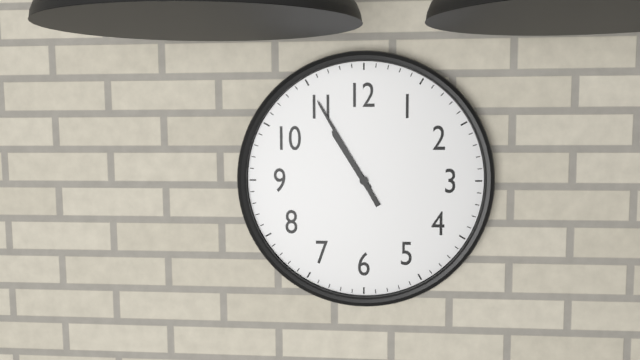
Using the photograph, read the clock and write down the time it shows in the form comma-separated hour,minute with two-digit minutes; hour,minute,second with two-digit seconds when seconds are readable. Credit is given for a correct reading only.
10,55
